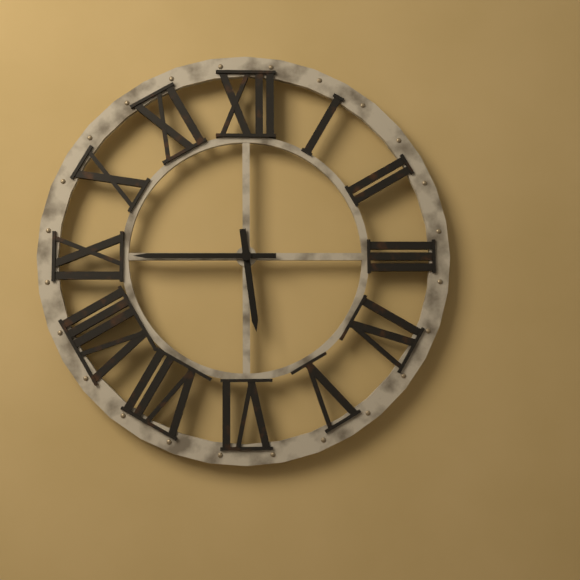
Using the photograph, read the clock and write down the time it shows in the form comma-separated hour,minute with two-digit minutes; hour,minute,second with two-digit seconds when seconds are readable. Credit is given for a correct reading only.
5,45
